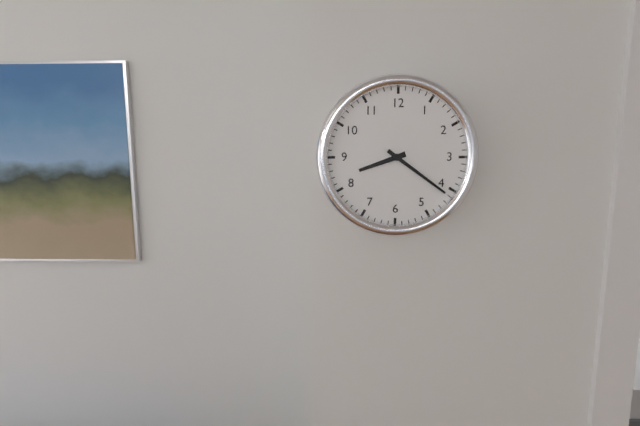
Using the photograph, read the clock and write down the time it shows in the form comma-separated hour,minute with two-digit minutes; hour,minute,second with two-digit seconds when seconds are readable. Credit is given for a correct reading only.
8,21
